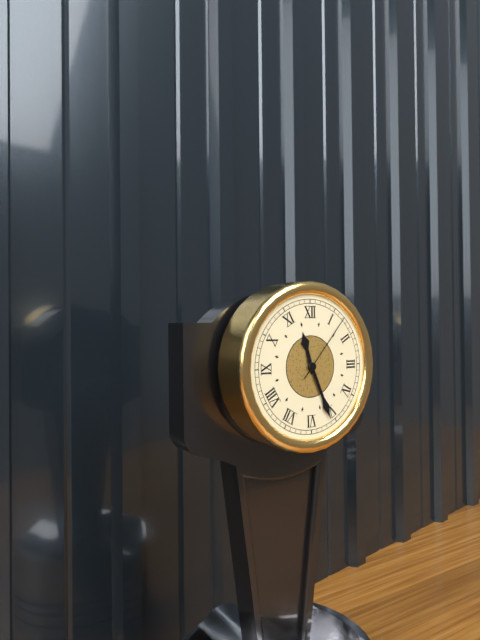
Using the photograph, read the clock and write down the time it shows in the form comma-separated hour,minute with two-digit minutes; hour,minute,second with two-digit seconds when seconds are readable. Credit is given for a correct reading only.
11,26,07
